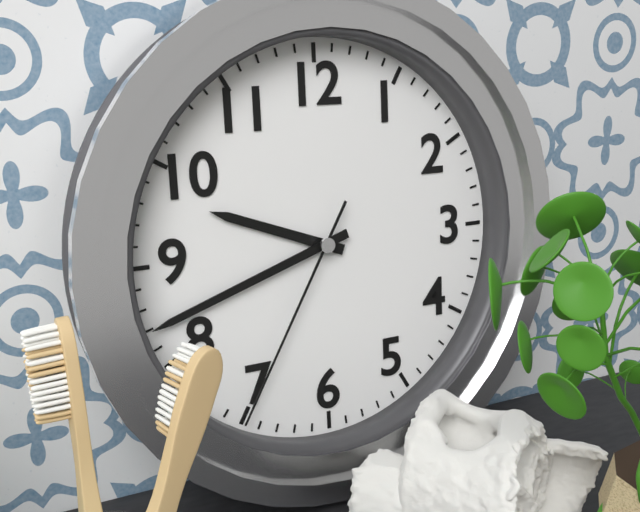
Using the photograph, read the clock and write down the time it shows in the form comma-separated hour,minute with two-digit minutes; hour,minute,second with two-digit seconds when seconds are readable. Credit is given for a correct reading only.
9,42,35
